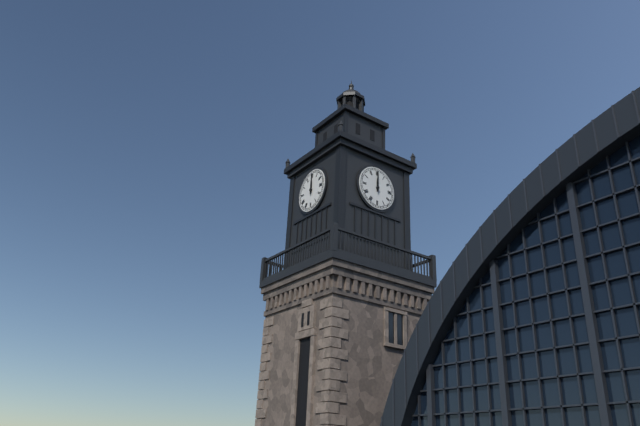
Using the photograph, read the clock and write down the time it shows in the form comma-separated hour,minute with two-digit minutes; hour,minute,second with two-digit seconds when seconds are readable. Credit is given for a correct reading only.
12,00
